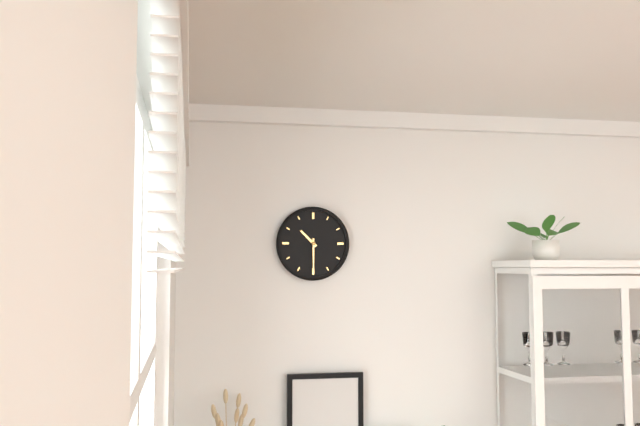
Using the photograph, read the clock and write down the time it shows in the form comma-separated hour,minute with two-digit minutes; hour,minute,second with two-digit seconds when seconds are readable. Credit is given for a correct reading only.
10,30
